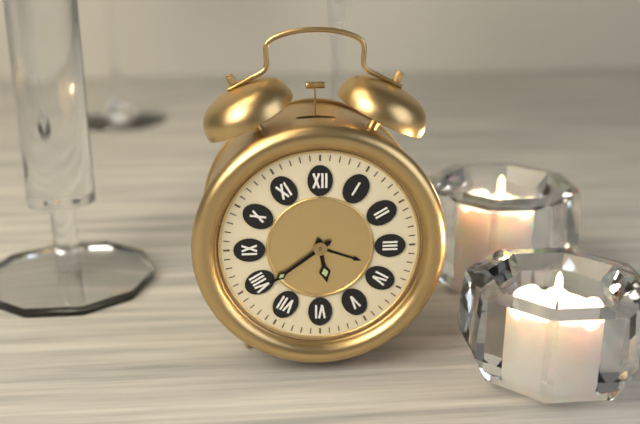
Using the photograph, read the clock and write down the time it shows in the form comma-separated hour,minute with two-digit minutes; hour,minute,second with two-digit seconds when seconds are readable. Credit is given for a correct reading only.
5,39
